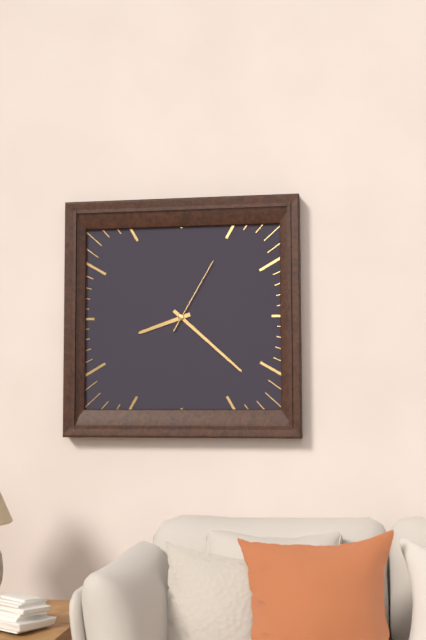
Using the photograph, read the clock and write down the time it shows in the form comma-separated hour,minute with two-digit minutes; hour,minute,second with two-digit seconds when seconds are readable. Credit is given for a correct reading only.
8,22,05
